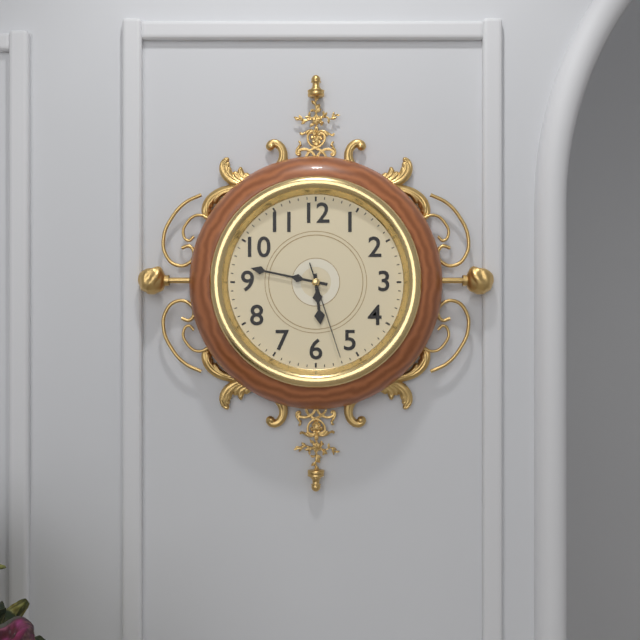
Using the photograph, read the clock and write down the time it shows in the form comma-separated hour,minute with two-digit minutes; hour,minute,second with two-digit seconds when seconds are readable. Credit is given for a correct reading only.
5,47,27
